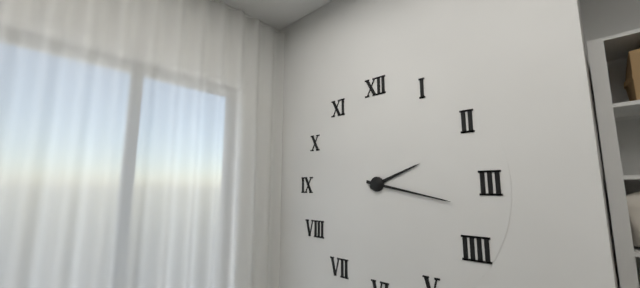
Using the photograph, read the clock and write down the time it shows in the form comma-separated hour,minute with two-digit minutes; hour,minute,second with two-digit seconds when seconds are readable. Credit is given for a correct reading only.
2,17
